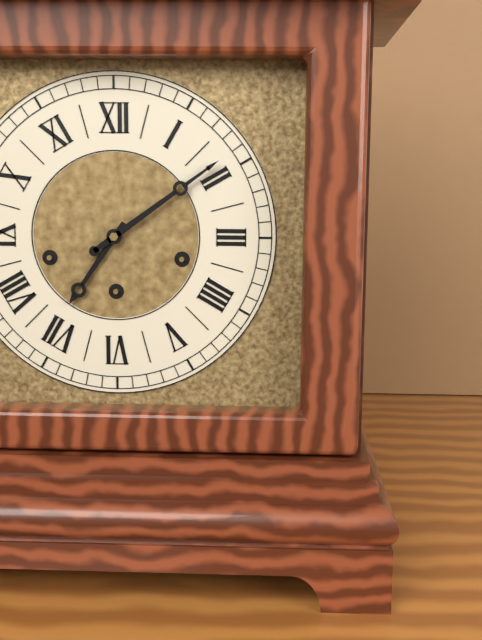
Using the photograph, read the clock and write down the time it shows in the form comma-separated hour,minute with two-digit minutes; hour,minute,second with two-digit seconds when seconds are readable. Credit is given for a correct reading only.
7,09
